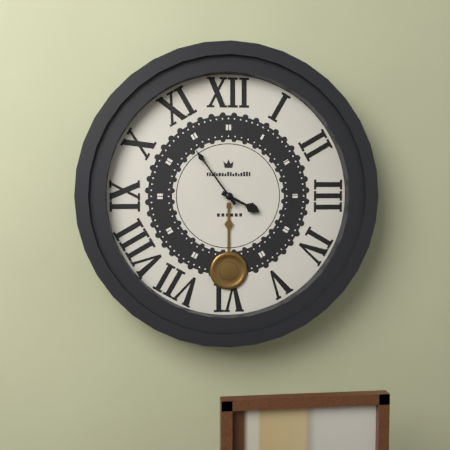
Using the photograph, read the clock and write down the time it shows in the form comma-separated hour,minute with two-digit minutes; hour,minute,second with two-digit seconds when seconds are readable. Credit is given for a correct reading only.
3,54
